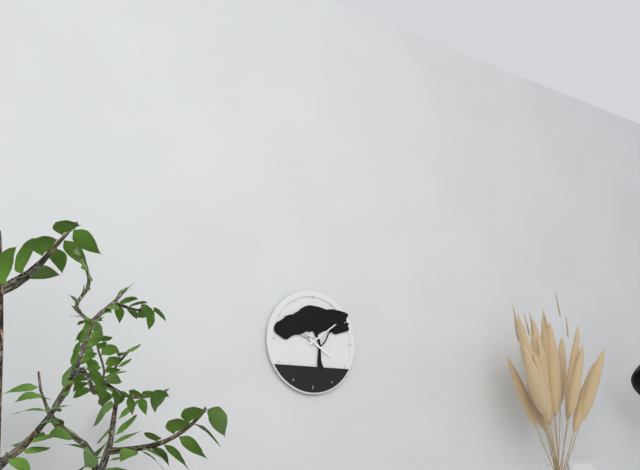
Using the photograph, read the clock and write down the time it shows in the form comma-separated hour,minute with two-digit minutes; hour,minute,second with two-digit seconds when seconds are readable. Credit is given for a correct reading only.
4,09
